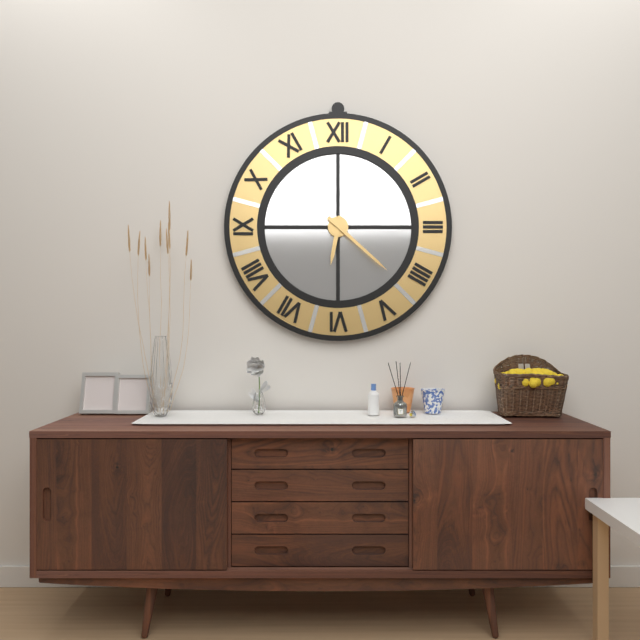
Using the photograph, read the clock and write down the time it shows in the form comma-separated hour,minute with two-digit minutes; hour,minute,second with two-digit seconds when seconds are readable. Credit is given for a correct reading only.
6,22
